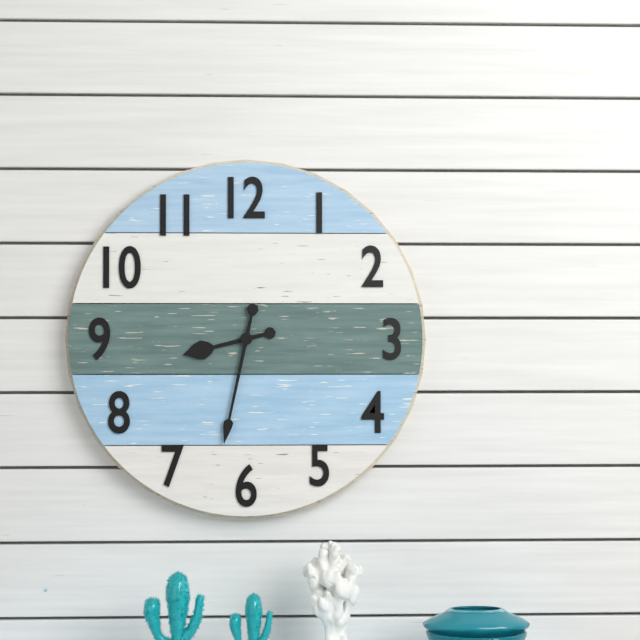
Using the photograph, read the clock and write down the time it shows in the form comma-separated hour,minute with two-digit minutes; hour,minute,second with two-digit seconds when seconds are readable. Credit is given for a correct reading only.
8,32
